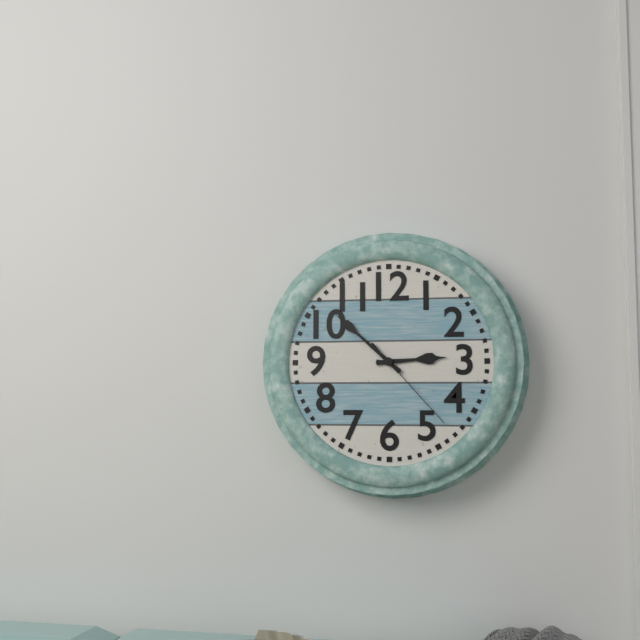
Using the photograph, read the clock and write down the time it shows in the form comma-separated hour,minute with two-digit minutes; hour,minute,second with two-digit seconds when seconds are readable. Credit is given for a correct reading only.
2,52,23
